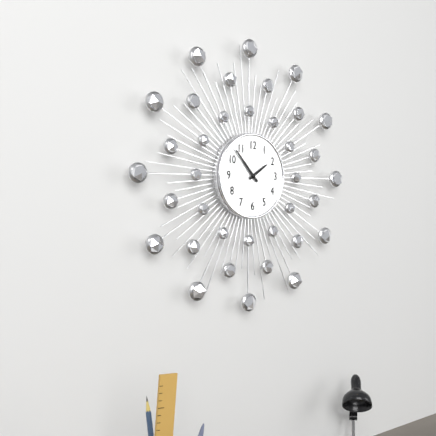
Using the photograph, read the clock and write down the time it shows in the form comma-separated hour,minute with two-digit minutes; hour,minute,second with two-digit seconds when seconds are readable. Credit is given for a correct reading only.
1,53
